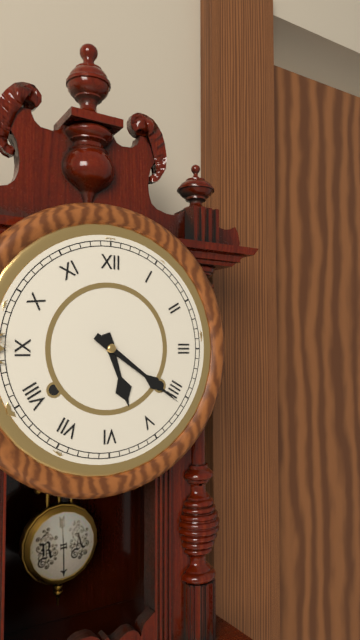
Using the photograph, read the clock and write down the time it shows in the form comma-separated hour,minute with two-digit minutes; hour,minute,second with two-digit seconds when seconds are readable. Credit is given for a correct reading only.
5,21
